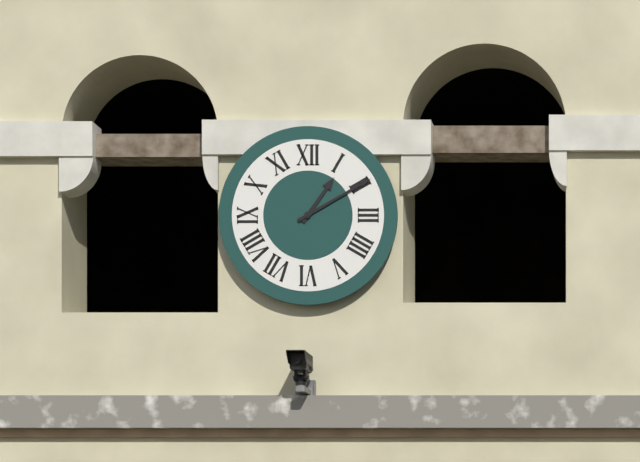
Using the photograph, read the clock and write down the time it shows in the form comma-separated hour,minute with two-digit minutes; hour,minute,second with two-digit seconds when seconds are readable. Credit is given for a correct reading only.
1,10
